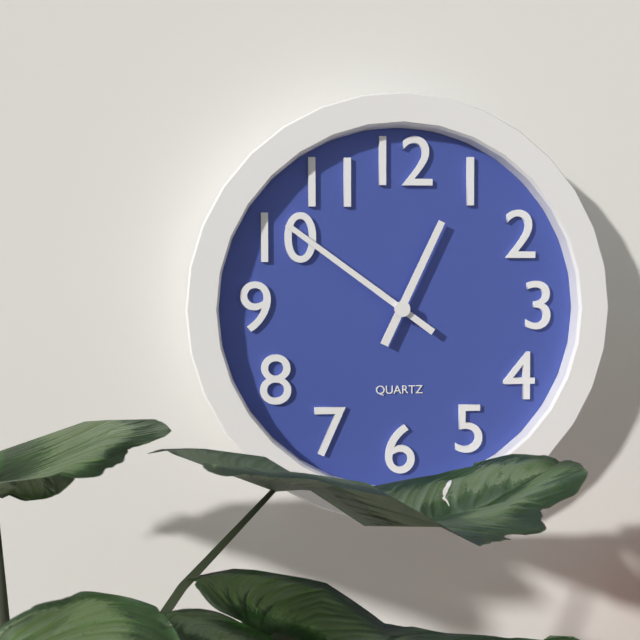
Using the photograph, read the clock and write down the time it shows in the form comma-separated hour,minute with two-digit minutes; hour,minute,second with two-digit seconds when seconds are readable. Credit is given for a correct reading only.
12,51
